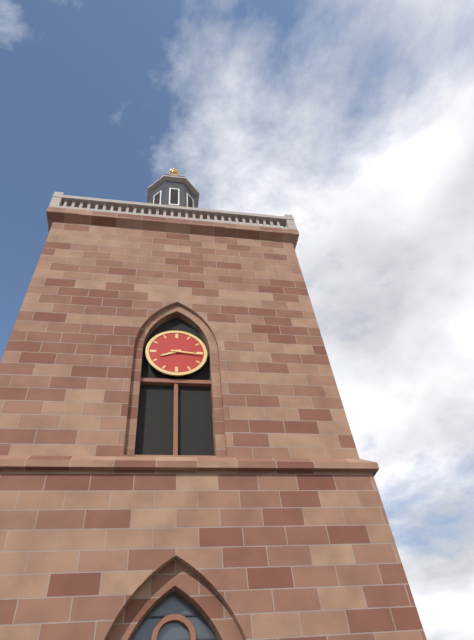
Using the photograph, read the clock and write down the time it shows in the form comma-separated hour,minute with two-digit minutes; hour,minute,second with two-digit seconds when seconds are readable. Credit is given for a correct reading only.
8,16
